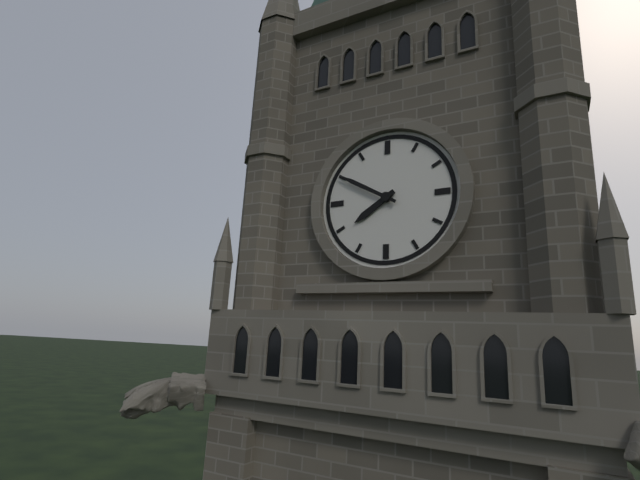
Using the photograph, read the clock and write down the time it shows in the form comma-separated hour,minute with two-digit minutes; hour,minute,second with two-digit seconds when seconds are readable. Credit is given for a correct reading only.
7,50
